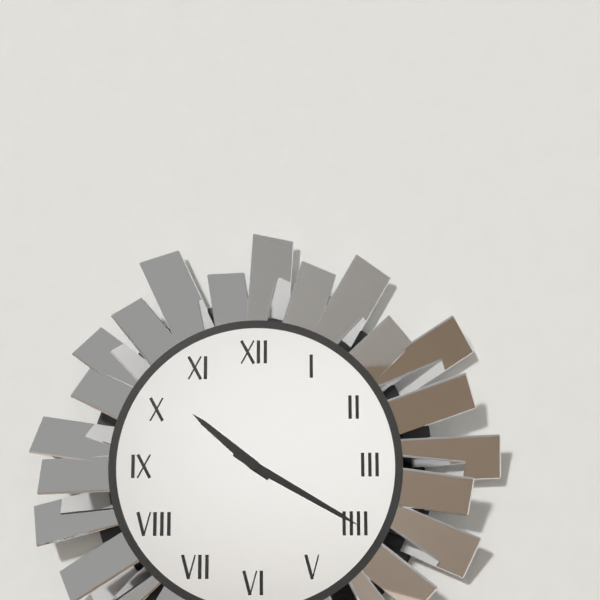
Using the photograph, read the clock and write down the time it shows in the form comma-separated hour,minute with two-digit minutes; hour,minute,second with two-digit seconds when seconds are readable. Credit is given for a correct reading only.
10,20
